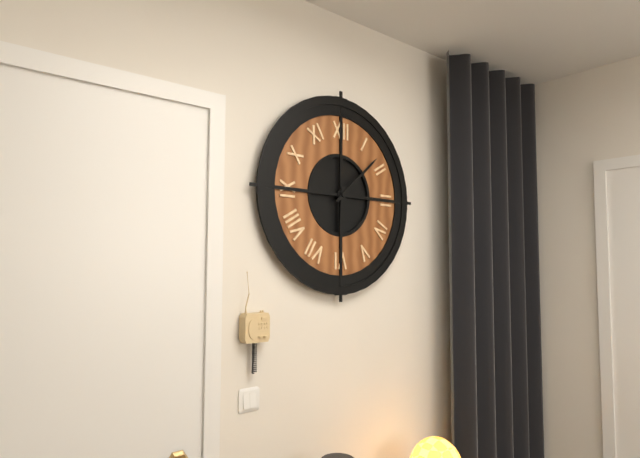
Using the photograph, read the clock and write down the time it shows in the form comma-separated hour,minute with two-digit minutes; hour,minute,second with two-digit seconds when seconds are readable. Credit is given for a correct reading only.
6,08
